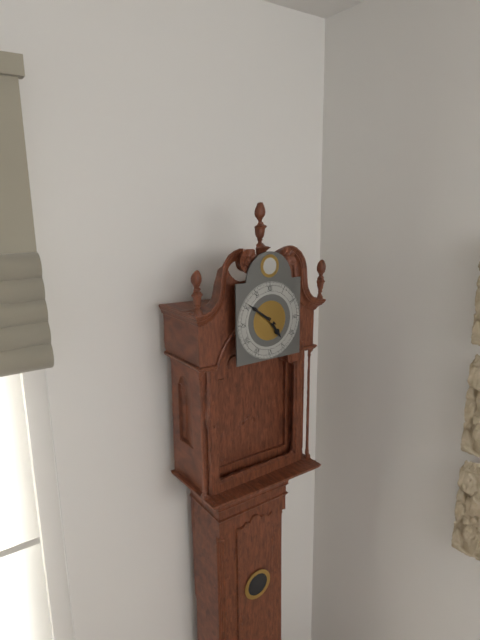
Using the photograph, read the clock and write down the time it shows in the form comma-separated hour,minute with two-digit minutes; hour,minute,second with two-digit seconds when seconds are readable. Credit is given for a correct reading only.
4,51
